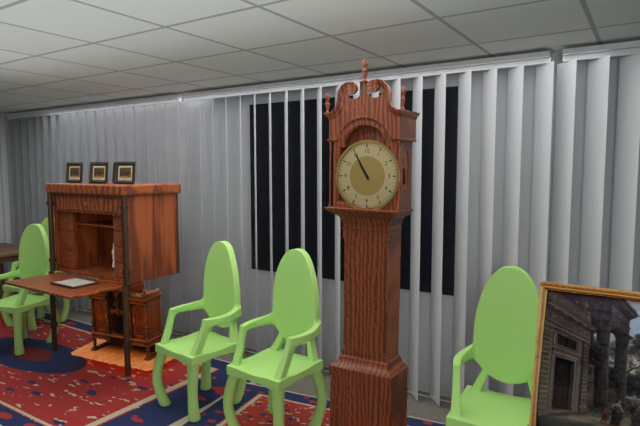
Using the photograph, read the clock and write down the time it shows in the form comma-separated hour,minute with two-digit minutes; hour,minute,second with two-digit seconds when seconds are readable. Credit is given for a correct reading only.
10,55
